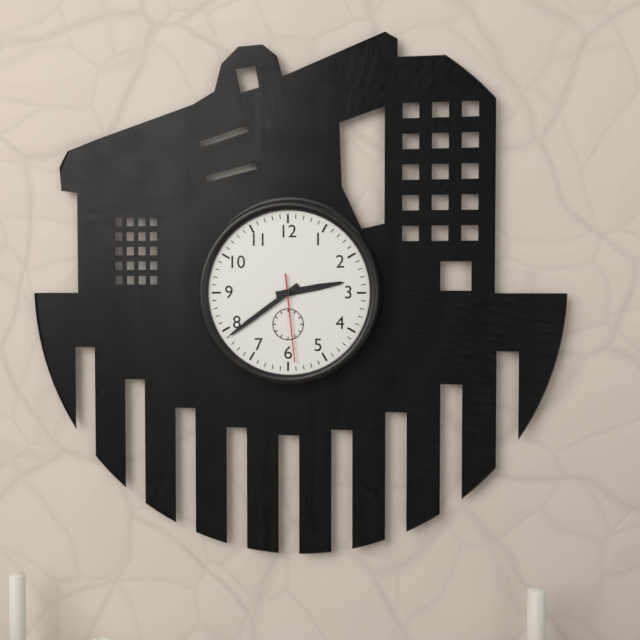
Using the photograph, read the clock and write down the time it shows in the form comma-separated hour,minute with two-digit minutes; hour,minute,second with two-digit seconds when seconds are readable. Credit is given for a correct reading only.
2,39,29
